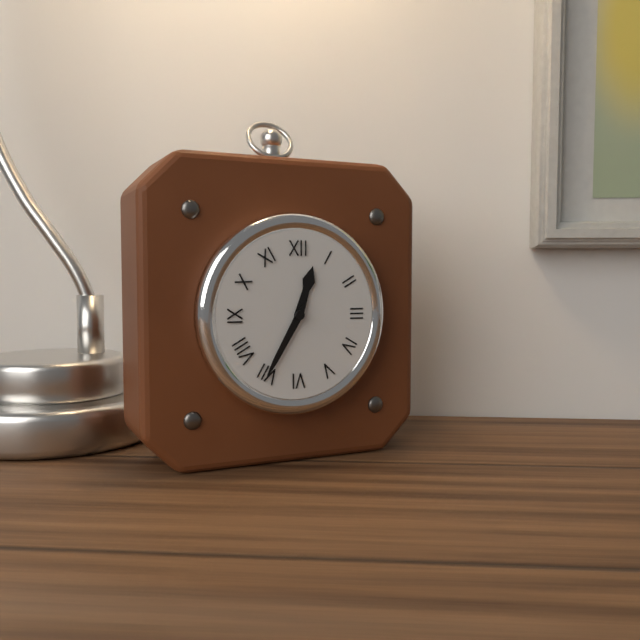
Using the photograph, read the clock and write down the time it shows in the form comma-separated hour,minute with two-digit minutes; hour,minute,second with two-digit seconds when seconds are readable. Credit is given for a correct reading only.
12,35
